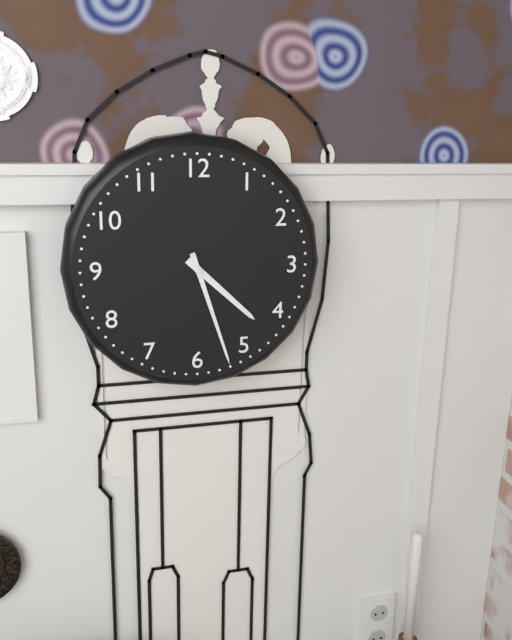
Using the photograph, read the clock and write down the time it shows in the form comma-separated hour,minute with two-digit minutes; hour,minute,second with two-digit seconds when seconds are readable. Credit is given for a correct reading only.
4,27
